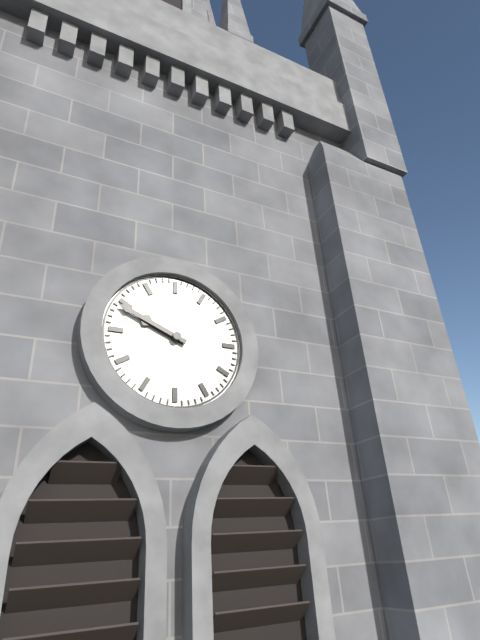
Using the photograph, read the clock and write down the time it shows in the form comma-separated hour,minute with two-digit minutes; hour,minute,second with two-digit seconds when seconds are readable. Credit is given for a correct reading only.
9,49
